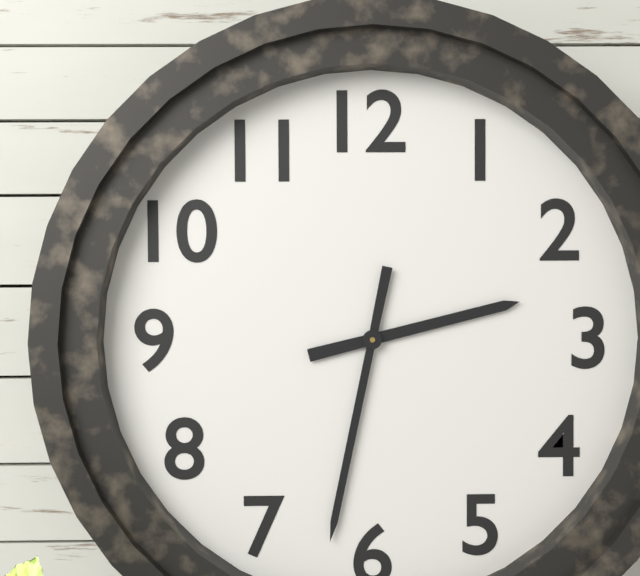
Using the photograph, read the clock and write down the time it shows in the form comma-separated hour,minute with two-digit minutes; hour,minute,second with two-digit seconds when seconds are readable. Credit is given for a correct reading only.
2,32
